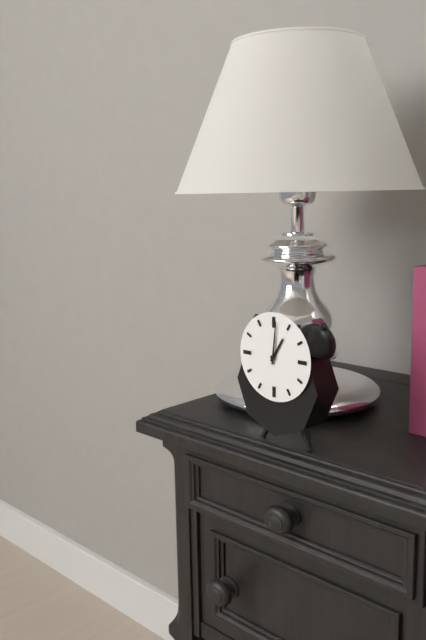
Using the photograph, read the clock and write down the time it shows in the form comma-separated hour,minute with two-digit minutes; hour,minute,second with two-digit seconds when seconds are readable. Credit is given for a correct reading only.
1,01
